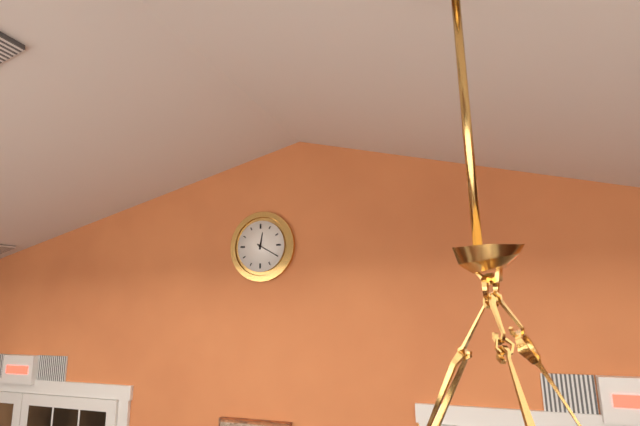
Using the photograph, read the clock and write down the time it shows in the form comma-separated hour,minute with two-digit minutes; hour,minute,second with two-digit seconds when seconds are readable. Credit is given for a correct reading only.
12,20
